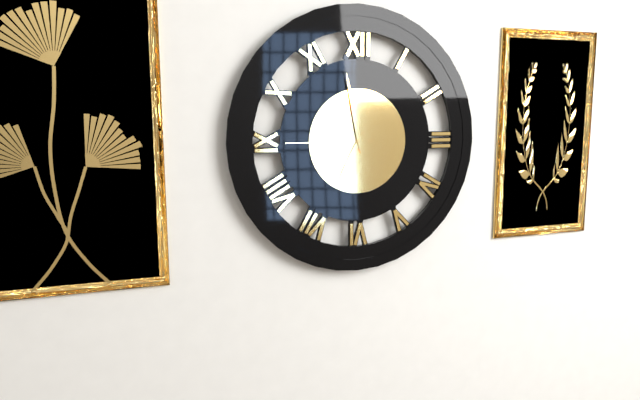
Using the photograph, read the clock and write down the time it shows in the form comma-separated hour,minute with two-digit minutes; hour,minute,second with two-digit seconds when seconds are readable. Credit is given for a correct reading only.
6,58,45
